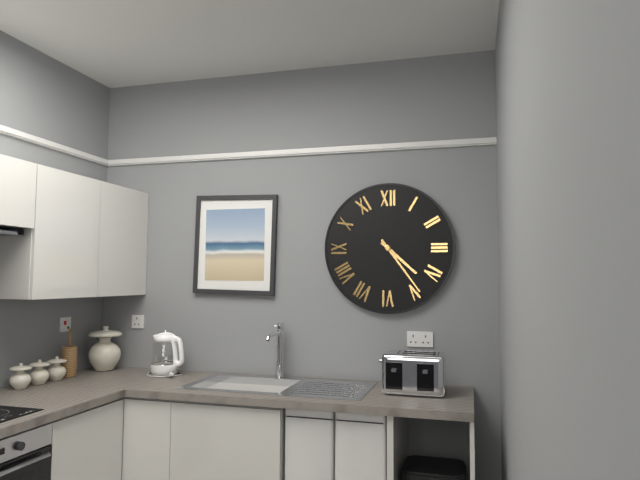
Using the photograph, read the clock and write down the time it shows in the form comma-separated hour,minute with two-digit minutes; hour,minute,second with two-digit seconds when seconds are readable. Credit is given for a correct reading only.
4,24
